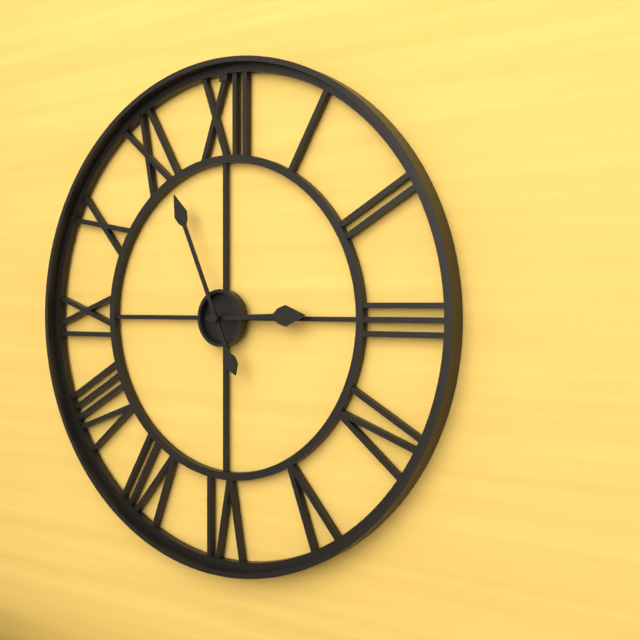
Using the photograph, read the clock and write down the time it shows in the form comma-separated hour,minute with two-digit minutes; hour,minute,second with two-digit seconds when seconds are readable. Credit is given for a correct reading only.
2,56
